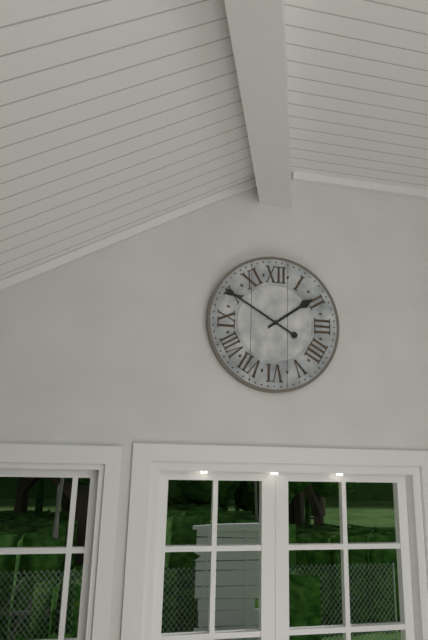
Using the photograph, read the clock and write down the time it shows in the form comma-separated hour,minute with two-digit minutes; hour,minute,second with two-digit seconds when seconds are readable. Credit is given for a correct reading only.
1,50
